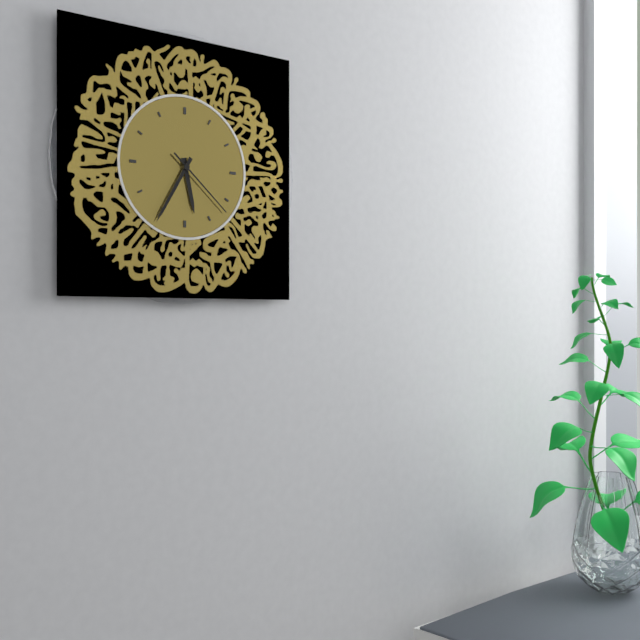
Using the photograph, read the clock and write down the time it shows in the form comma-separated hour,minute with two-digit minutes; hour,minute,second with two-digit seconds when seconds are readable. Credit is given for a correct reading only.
5,35,22
